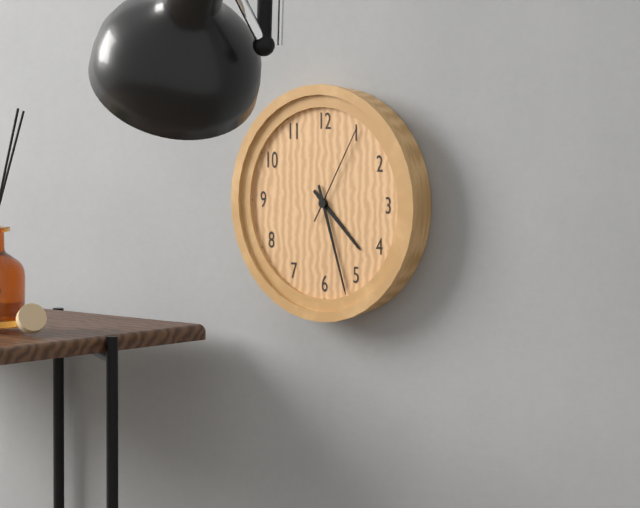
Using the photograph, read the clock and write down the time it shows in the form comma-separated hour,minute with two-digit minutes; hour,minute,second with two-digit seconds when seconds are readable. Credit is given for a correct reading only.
4,27,05
